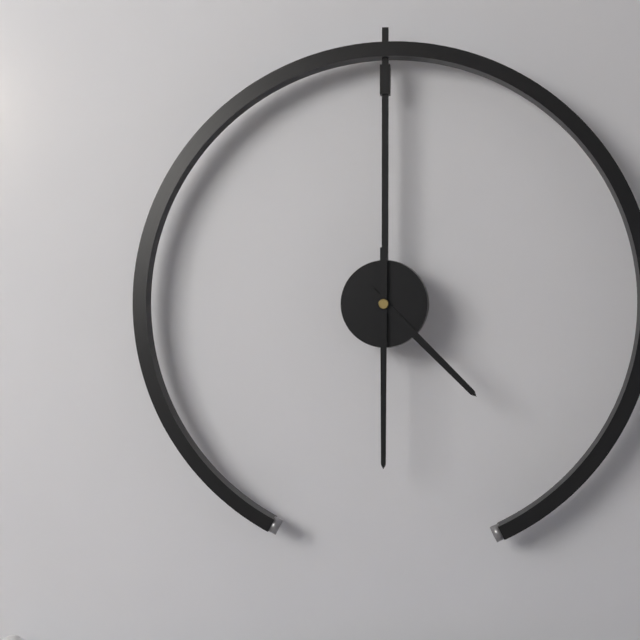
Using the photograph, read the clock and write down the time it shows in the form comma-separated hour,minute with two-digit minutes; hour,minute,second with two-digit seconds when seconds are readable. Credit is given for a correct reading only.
4,30
